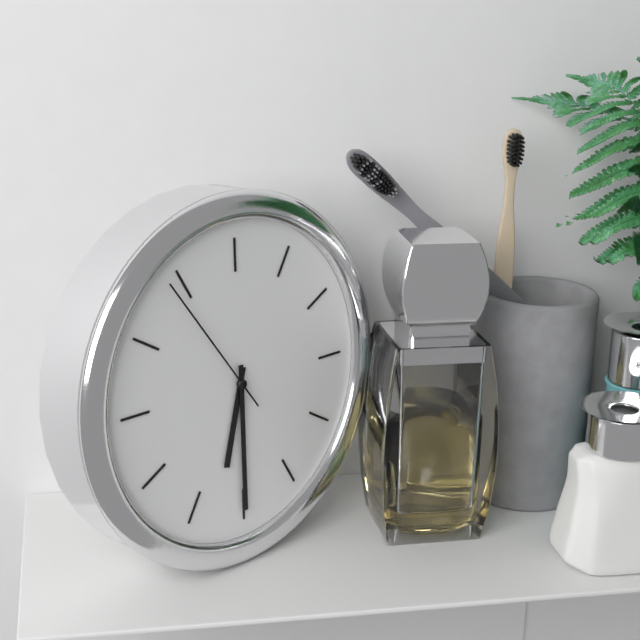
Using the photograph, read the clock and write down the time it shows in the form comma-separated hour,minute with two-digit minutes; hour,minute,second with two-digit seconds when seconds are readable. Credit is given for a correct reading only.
6,30,54
